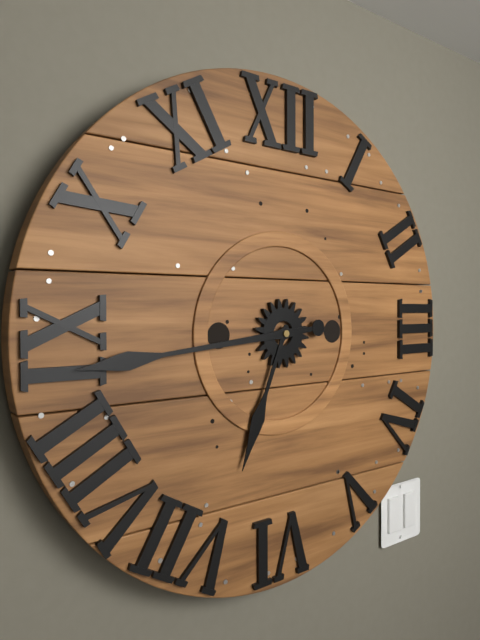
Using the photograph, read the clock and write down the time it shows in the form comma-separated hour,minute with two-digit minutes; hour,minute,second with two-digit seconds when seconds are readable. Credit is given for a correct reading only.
6,44
